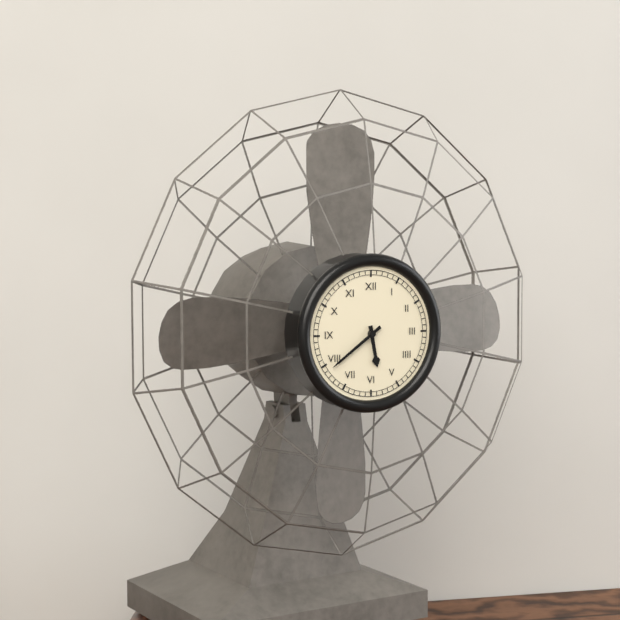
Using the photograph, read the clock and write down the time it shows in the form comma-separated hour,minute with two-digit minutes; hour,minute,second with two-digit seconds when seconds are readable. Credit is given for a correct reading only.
5,39
